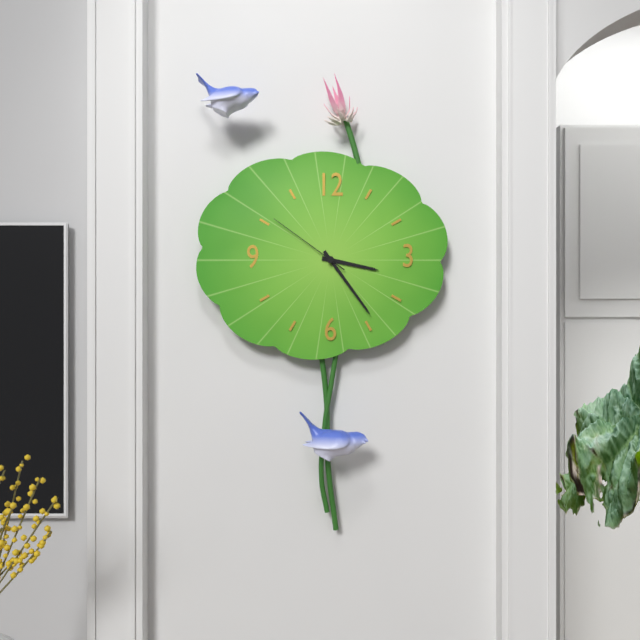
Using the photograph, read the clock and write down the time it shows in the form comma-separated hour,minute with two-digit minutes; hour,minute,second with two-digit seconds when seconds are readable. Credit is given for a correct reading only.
3,24,51
